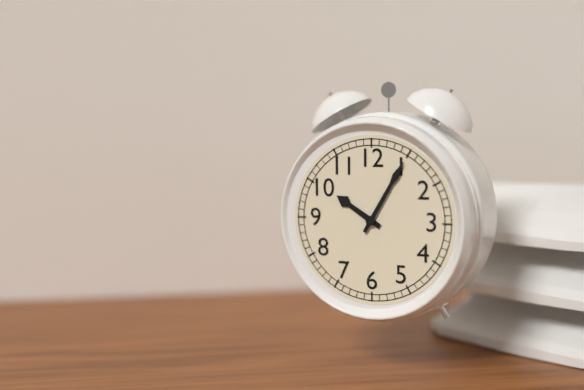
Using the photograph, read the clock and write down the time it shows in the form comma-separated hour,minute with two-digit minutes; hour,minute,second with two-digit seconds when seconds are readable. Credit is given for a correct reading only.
10,05
